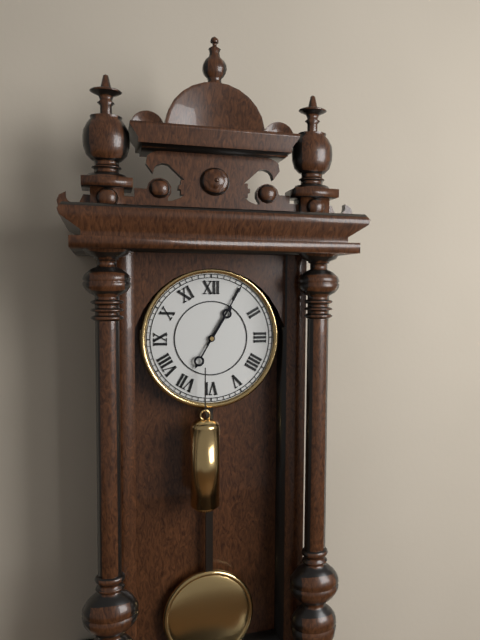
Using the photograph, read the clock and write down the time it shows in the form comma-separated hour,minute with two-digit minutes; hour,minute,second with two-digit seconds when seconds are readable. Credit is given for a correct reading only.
1,05
